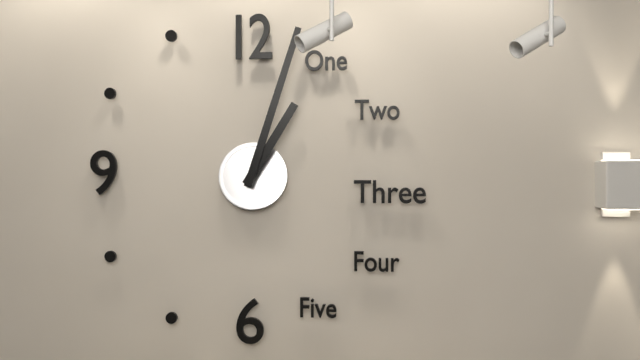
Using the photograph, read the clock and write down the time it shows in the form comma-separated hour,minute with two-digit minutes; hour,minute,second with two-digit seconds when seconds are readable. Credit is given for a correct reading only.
1,03
